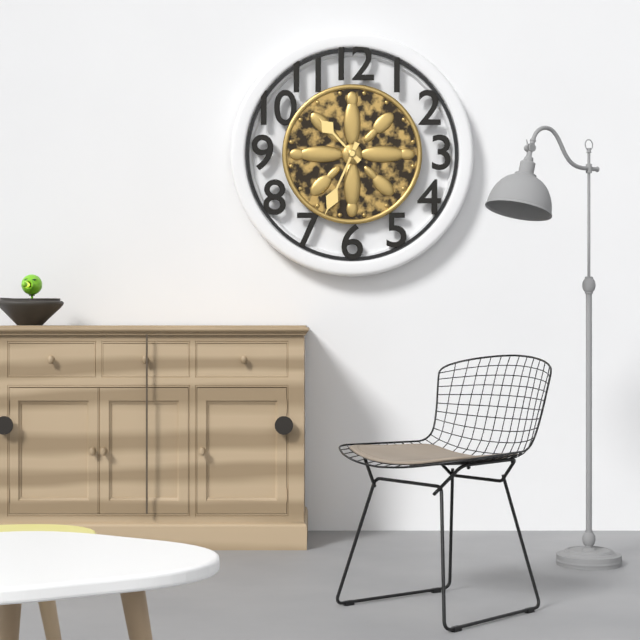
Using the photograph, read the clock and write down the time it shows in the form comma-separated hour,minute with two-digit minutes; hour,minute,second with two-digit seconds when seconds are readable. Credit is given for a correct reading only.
10,34
